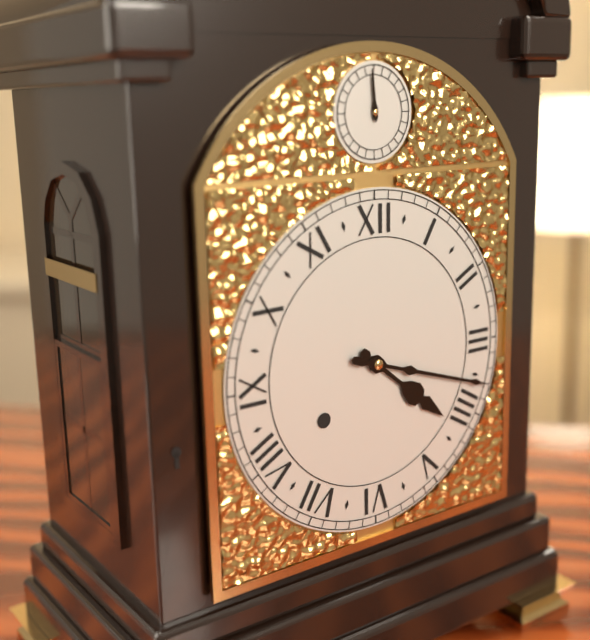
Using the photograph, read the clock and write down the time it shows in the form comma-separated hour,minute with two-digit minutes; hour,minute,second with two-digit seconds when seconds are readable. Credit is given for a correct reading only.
4,18
